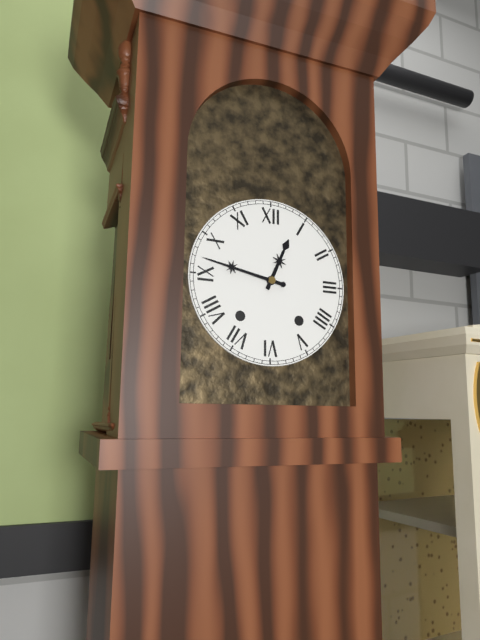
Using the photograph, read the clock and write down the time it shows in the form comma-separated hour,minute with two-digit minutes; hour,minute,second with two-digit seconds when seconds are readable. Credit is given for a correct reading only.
12,47
